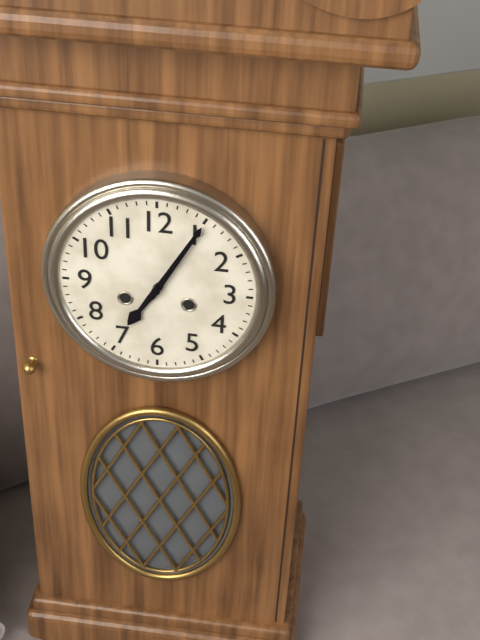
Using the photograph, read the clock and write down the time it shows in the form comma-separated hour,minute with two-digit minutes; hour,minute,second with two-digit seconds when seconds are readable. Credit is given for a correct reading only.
7,05
